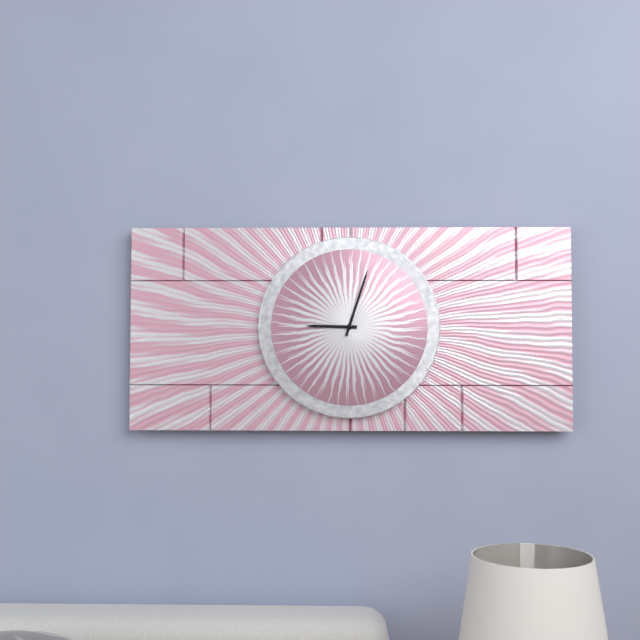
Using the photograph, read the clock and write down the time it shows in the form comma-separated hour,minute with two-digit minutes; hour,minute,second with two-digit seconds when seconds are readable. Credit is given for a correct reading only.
9,03
